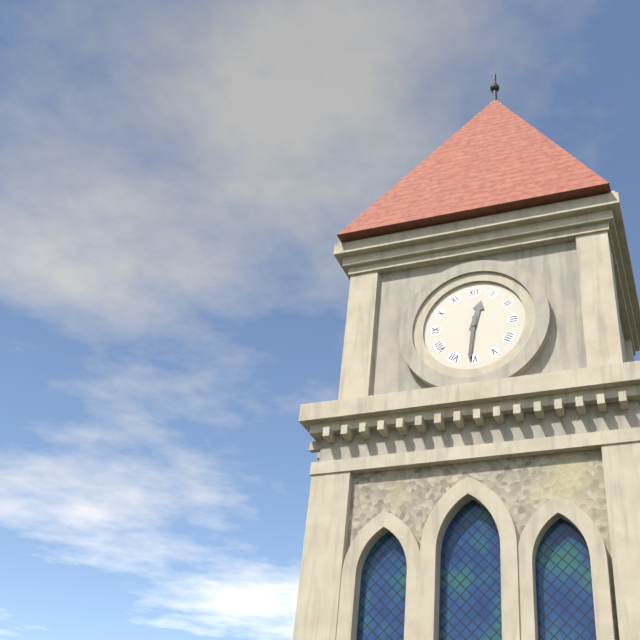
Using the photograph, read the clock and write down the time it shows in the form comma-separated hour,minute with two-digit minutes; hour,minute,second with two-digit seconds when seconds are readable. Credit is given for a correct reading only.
12,31
